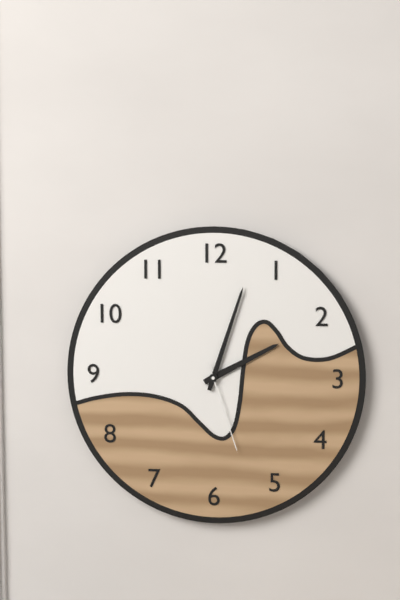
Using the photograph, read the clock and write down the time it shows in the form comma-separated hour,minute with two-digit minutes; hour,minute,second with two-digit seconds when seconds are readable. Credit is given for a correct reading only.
2,03,27
